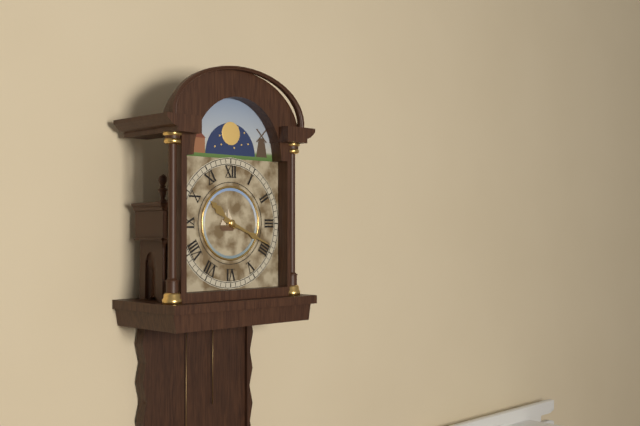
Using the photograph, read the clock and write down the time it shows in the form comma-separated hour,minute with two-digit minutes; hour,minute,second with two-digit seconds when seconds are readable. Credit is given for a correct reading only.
10,19
